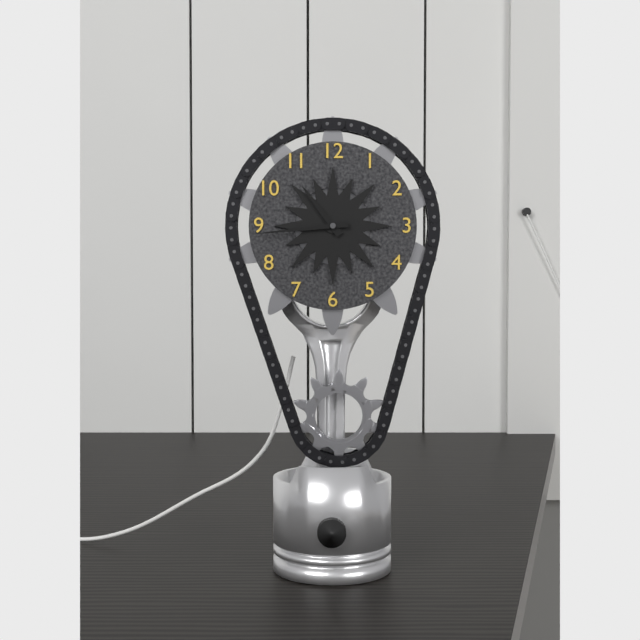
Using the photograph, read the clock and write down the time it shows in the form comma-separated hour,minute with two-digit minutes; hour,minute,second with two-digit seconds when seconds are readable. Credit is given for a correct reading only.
10,44
